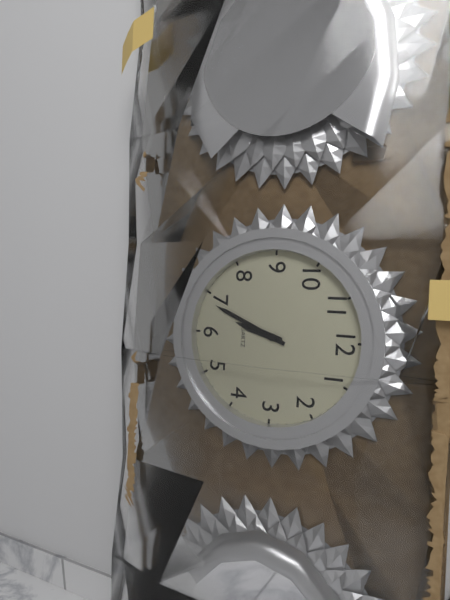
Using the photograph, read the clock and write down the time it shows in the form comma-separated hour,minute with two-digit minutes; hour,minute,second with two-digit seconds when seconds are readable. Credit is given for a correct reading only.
6,34
